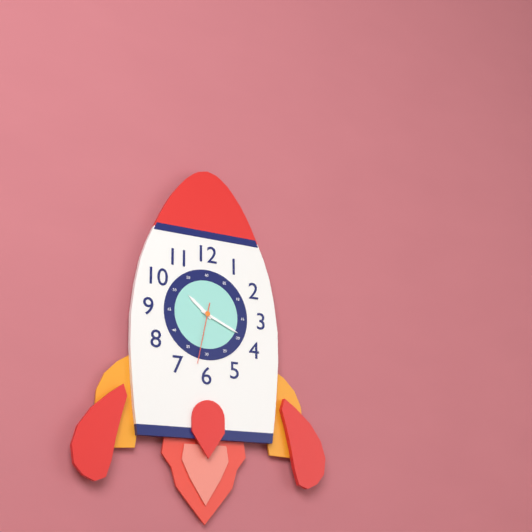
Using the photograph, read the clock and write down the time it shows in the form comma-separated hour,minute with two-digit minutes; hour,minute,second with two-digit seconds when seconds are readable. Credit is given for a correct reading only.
10,19,32
